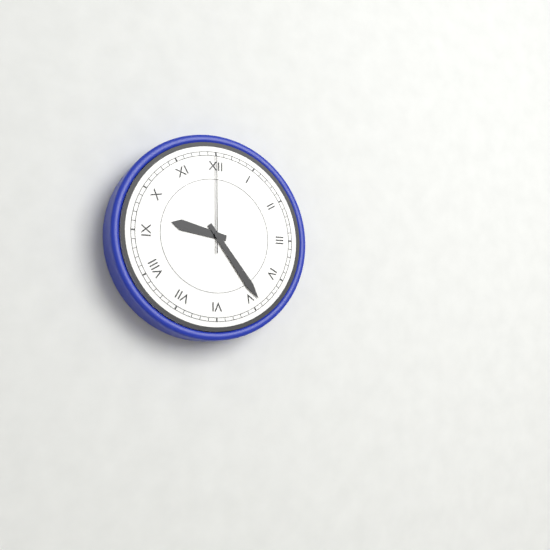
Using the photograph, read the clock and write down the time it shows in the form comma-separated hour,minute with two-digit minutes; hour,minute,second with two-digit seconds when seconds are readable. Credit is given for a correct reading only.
9,24,00
